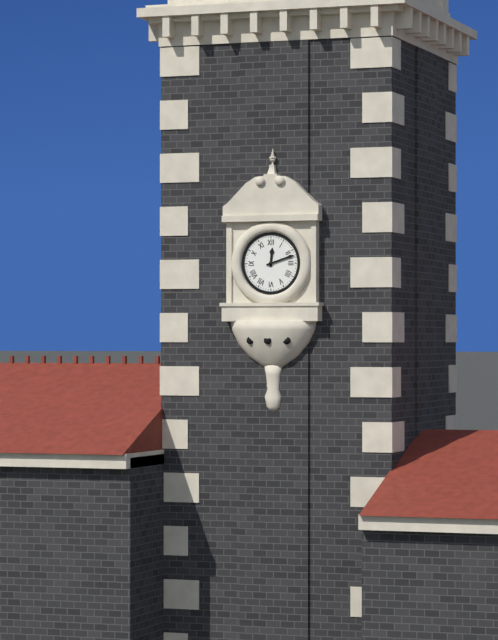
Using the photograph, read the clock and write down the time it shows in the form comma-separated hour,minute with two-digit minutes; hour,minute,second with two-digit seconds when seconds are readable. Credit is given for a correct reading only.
12,12
